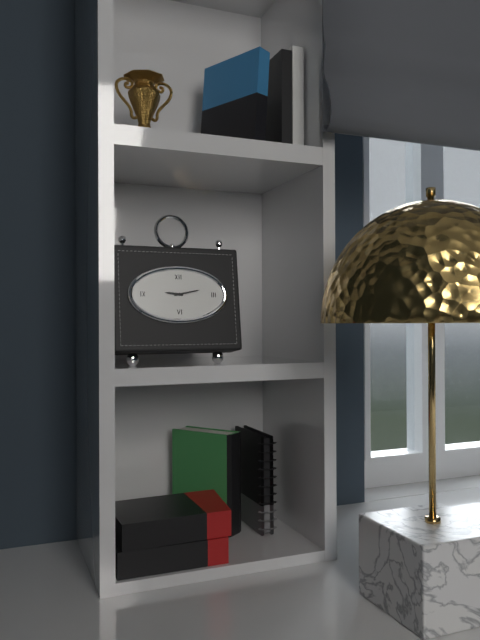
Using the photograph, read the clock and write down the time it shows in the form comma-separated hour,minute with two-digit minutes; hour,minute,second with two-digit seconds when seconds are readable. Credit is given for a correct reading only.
9,13
